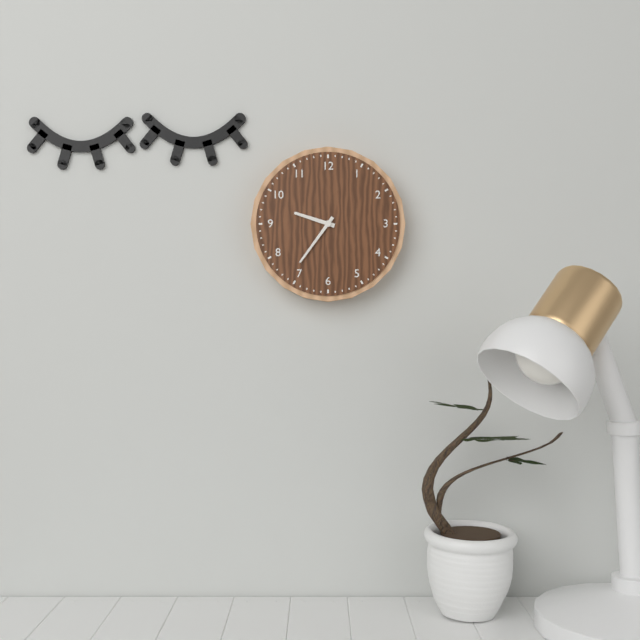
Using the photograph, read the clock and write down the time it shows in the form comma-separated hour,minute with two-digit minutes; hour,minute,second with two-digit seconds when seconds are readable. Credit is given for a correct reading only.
9,36
